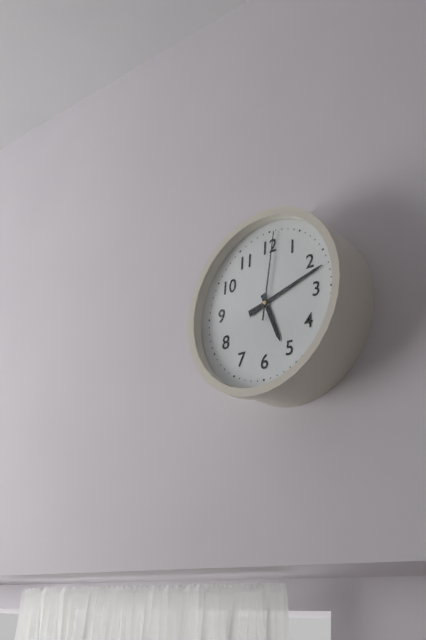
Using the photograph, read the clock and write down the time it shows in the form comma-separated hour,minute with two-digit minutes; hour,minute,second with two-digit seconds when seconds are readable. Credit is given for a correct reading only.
5,12,01
